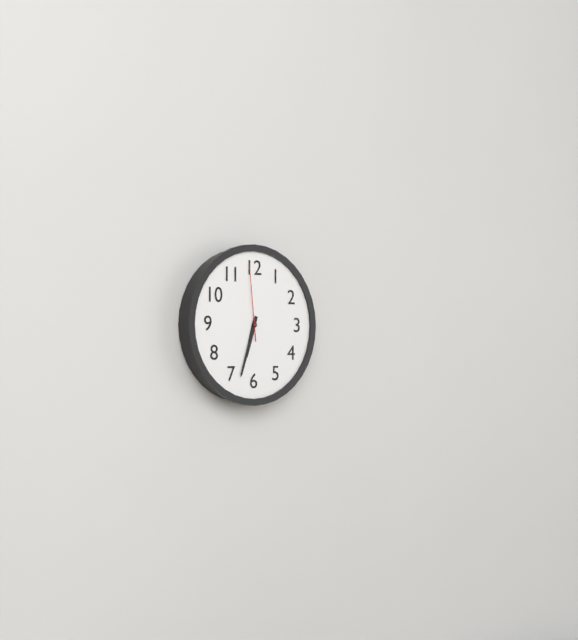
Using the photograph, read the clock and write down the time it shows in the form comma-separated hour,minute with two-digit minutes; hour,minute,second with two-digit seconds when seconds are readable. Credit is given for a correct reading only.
6,33,59
